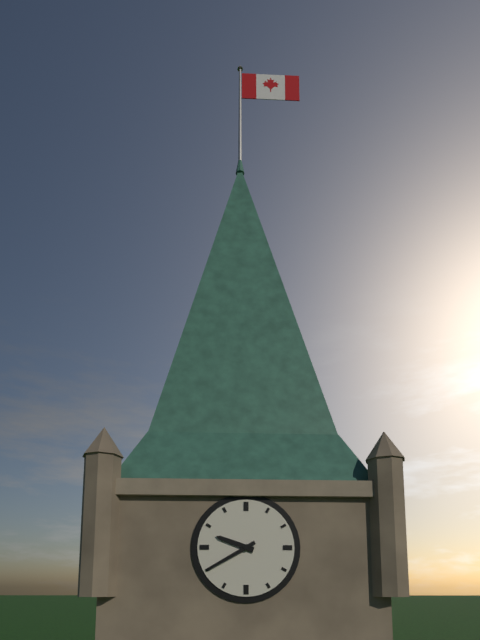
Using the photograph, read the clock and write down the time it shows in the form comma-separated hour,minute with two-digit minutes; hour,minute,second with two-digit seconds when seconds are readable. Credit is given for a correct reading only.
9,40
